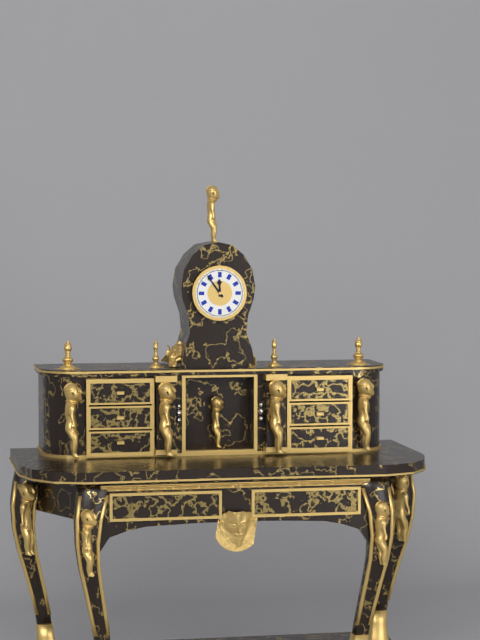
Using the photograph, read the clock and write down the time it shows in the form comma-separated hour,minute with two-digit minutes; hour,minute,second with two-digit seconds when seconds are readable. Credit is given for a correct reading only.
11,54
